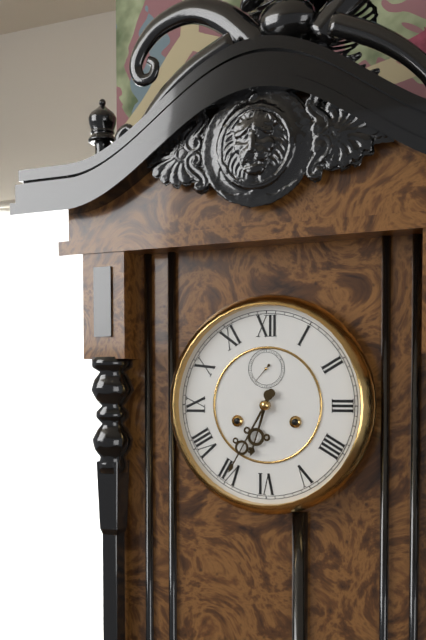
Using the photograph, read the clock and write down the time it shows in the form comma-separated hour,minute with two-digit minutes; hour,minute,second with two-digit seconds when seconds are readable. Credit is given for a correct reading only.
6,35
